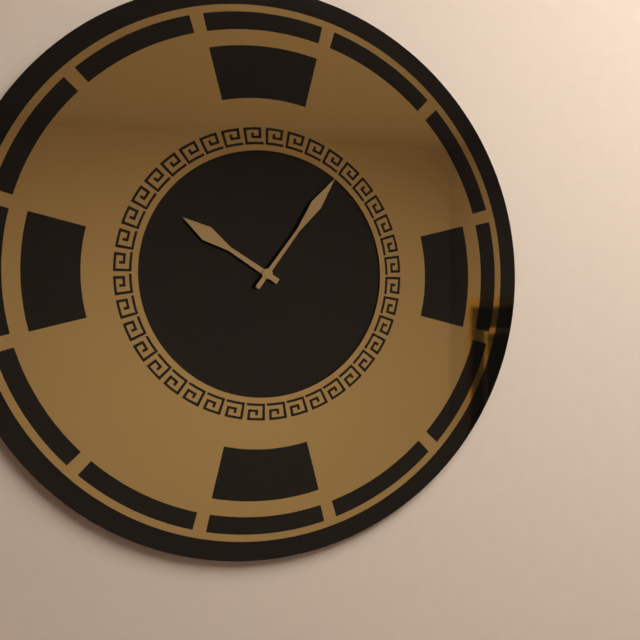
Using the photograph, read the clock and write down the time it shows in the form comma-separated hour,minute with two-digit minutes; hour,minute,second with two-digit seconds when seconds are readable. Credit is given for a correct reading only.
10,06
